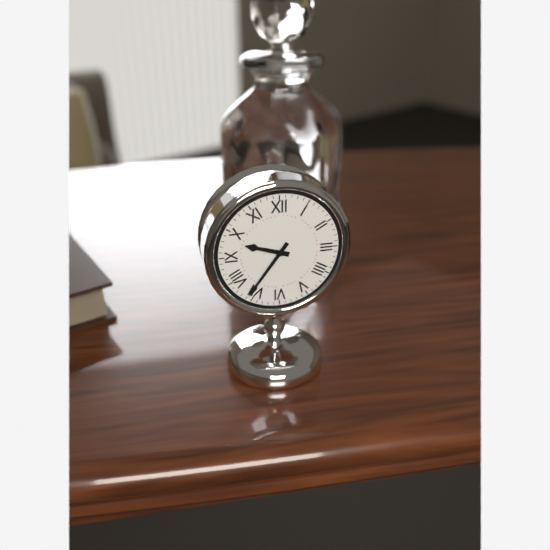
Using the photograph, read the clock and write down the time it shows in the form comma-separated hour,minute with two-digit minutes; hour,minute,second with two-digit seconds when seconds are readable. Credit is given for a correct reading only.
9,36
